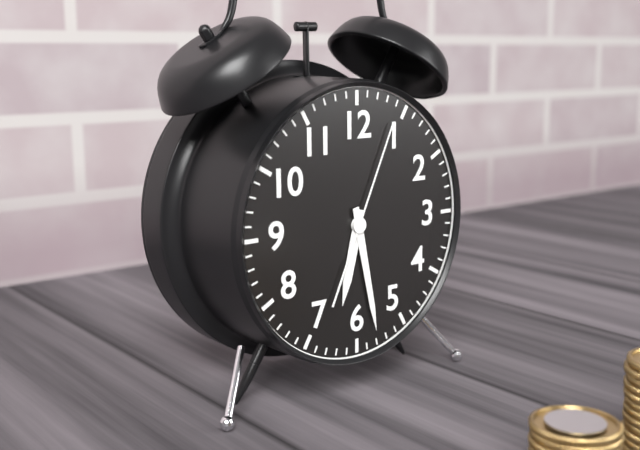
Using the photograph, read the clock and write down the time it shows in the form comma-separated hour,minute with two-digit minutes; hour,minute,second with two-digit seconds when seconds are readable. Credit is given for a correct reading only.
6,28,04
